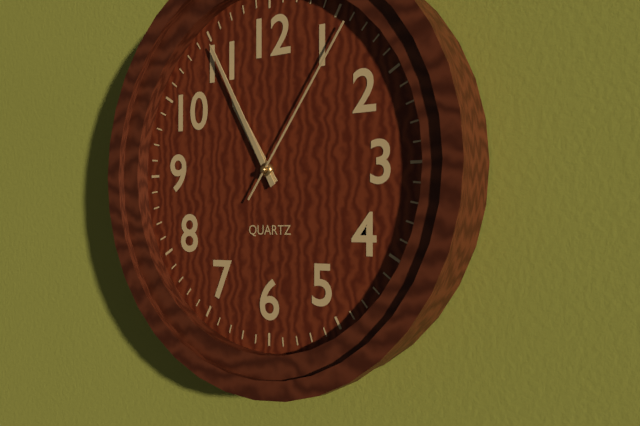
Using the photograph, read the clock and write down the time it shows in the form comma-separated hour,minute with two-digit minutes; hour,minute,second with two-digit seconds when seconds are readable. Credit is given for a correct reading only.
10,55,06
